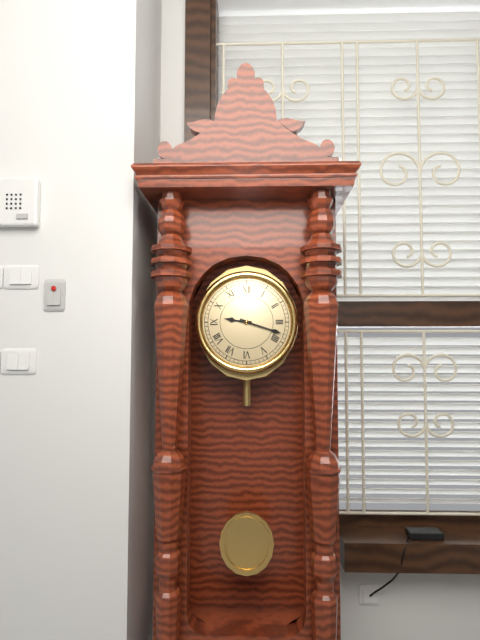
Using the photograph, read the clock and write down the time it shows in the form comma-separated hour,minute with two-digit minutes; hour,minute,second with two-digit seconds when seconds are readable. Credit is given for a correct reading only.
9,18
